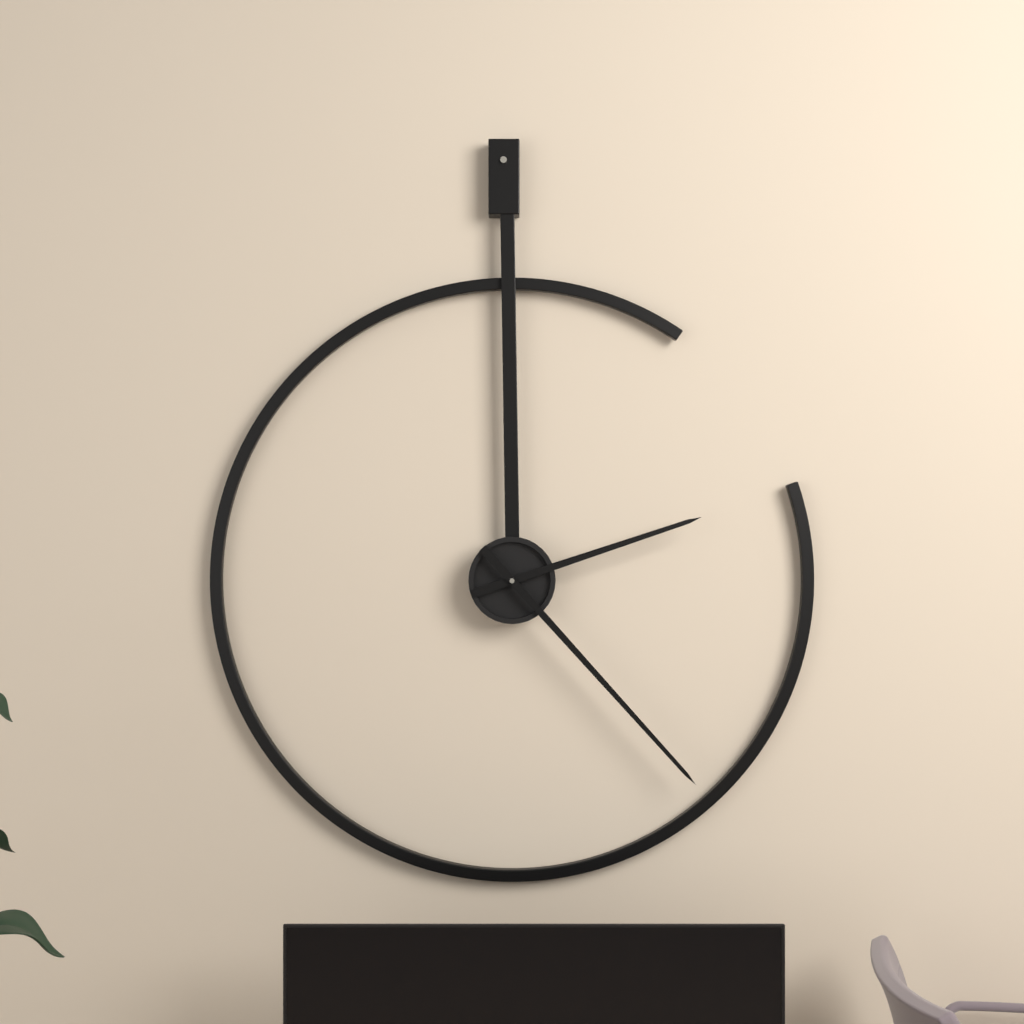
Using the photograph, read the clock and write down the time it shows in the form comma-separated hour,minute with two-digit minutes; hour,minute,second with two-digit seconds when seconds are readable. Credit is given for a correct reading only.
2,23
